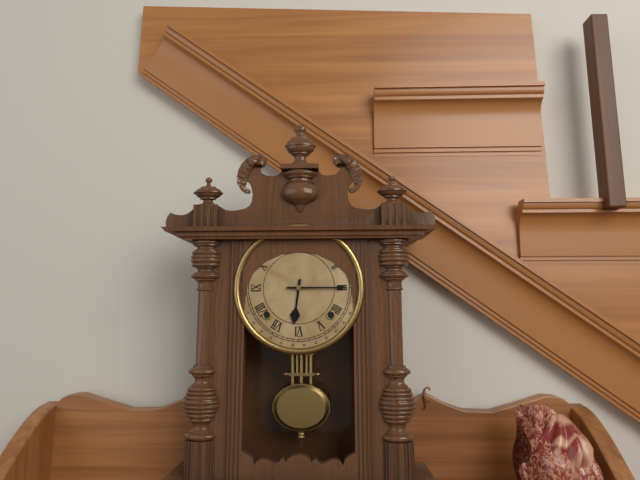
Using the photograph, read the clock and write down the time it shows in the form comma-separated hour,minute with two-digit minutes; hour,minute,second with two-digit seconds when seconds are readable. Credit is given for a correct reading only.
6,15
